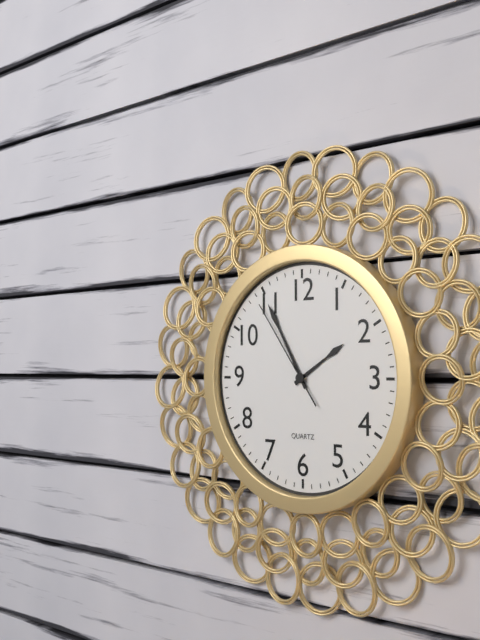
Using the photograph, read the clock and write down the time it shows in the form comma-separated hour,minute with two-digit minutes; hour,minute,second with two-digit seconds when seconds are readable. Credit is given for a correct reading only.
1,55,54
